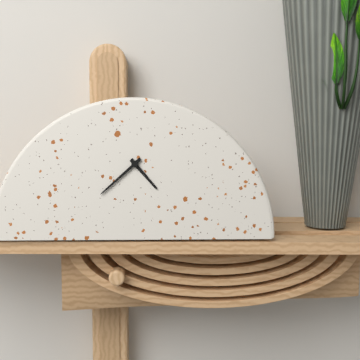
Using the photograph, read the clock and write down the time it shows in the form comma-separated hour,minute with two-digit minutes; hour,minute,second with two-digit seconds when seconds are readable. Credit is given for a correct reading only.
4,38
